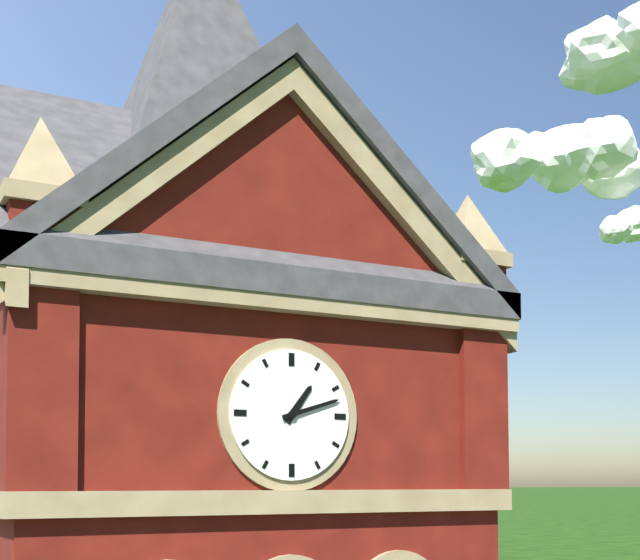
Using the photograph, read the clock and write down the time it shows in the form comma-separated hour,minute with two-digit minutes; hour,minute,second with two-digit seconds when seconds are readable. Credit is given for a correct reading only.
1,12
